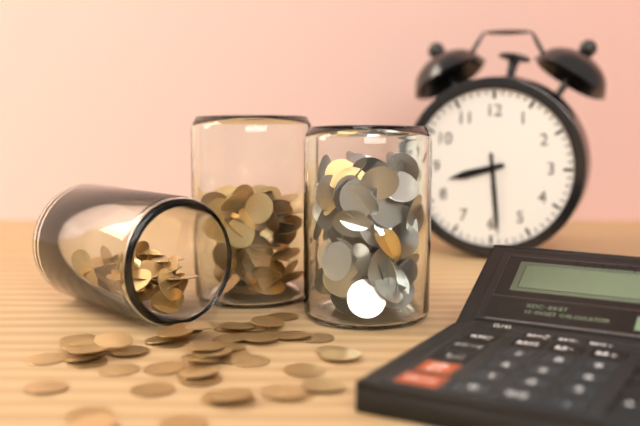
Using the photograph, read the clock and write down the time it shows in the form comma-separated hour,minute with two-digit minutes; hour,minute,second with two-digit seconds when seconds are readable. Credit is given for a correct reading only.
8,29
